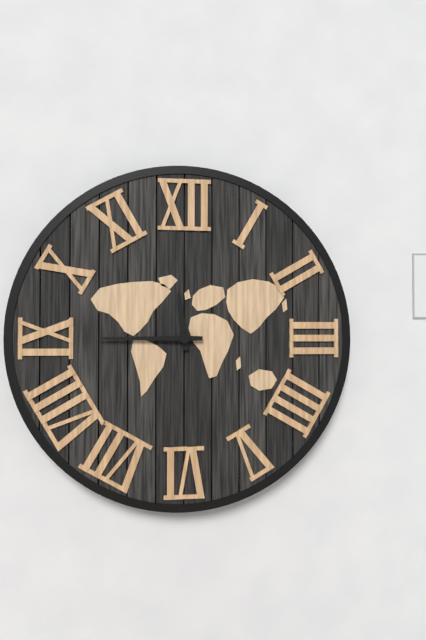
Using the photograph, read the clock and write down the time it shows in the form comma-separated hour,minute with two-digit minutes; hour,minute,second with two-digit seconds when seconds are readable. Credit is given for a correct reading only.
11,45
